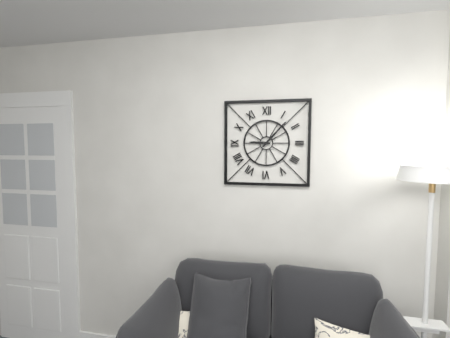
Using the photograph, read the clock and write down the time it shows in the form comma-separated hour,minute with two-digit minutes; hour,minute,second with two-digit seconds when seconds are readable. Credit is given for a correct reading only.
9,07
